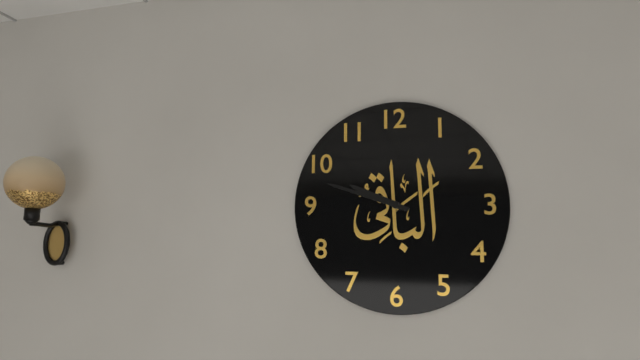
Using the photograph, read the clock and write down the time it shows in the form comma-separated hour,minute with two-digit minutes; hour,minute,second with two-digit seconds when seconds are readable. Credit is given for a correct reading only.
9,48
